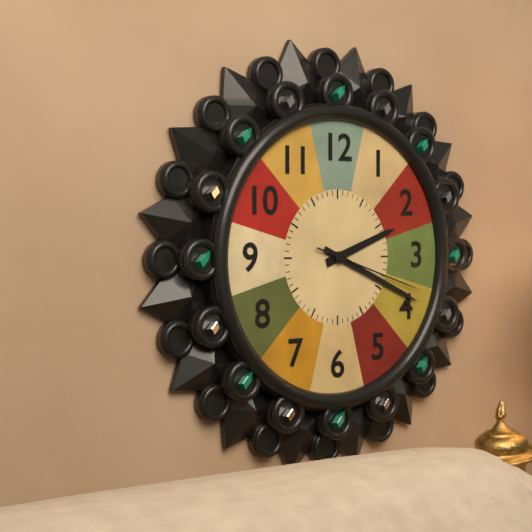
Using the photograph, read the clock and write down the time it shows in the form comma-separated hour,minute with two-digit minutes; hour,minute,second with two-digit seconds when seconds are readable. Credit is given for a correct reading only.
2,19,18
